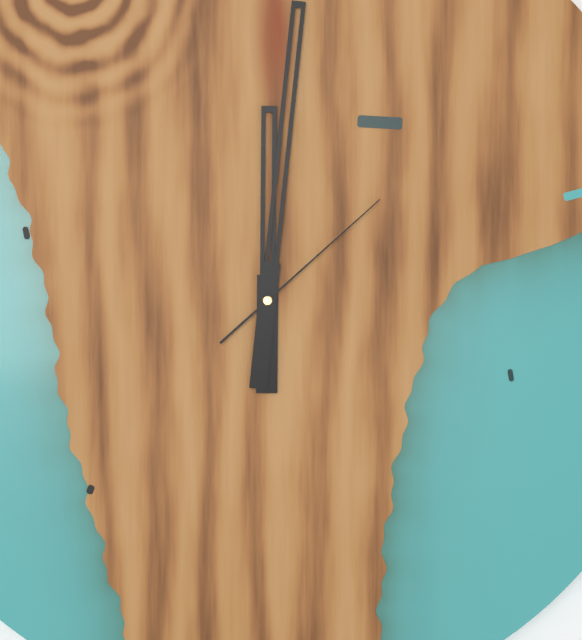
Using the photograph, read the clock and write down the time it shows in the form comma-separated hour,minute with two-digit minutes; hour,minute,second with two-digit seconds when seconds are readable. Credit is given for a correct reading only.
12,01,08
